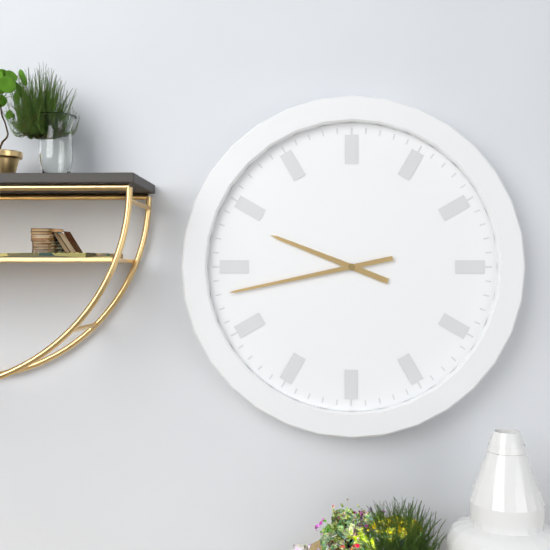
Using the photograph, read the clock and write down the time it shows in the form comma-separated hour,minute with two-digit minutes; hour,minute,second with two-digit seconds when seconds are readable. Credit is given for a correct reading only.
9,43
